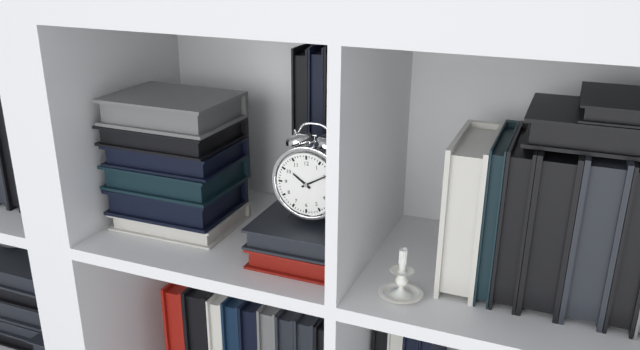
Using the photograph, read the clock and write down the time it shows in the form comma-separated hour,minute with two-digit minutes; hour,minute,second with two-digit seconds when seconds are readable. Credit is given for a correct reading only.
10,10
